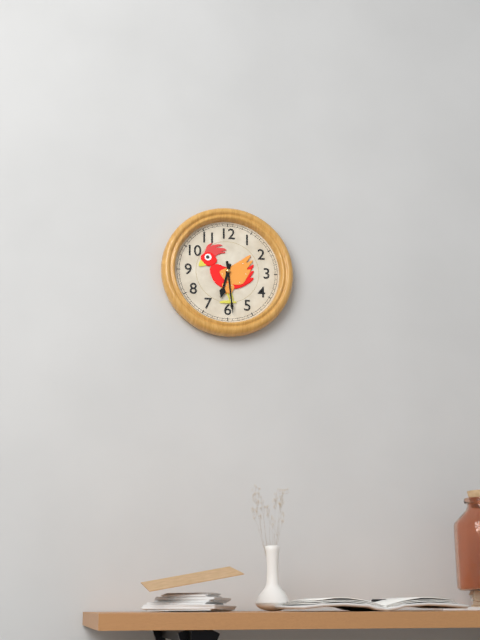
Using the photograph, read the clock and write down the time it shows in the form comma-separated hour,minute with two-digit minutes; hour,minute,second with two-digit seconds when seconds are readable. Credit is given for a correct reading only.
6,29
